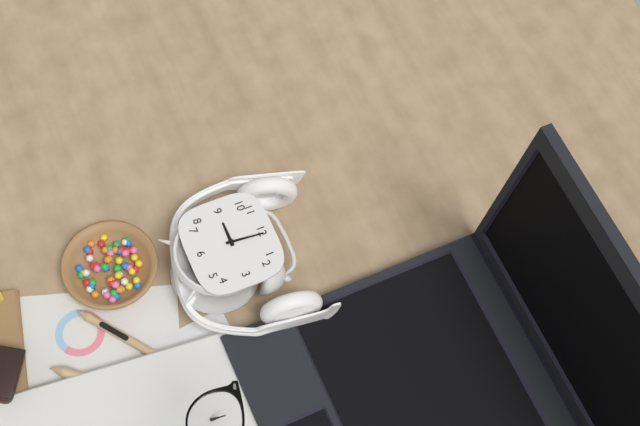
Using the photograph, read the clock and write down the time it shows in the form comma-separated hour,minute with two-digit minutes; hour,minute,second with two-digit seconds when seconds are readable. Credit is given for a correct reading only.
9,01
